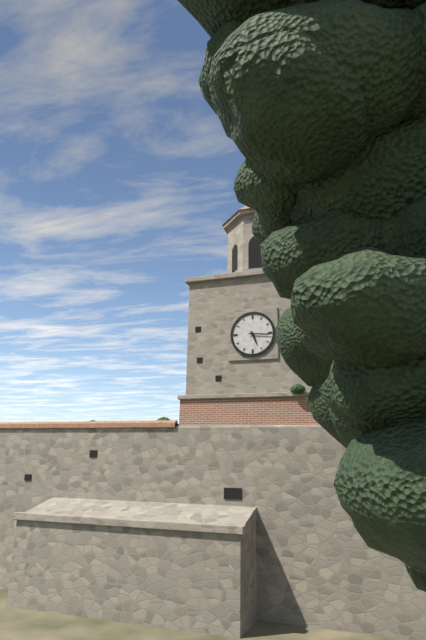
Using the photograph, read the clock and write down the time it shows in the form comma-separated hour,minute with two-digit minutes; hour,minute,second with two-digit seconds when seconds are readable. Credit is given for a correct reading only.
5,16
